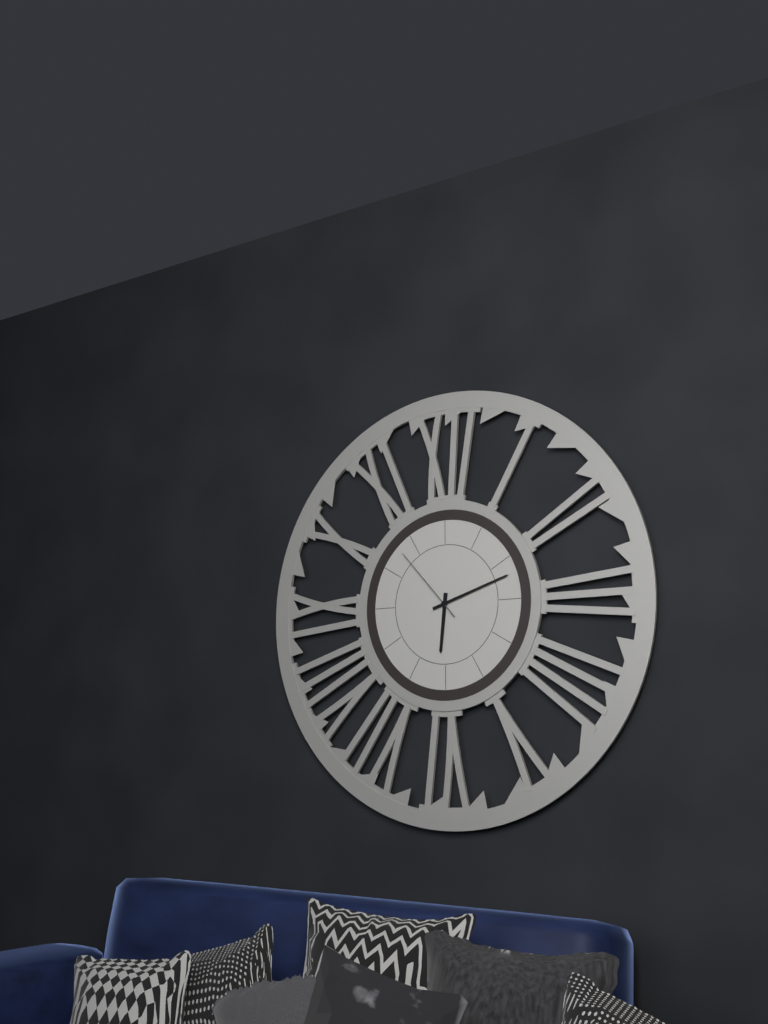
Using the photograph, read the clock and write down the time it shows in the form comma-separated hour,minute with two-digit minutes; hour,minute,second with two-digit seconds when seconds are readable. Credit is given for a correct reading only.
6,12,53
